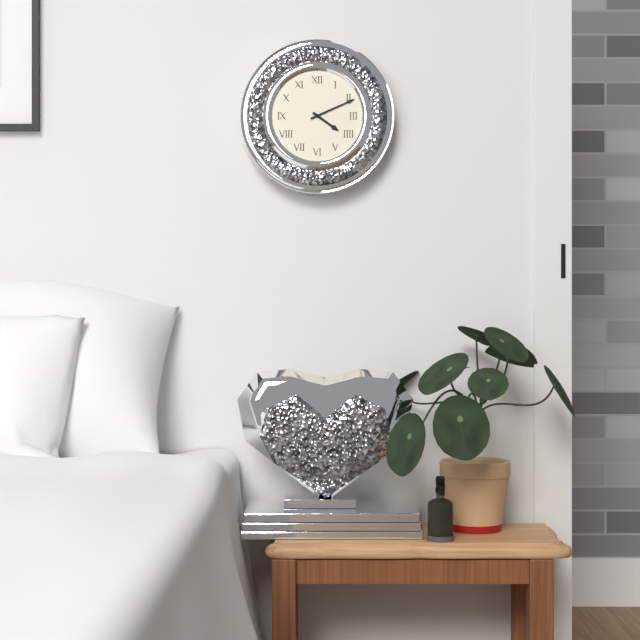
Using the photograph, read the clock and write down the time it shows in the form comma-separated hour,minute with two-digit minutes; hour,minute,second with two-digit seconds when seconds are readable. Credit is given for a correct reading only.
4,11
